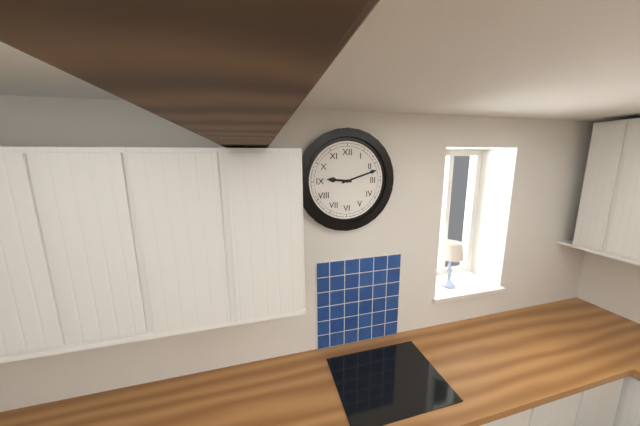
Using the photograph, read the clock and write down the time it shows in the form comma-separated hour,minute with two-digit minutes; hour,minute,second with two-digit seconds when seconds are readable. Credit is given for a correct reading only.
9,12
